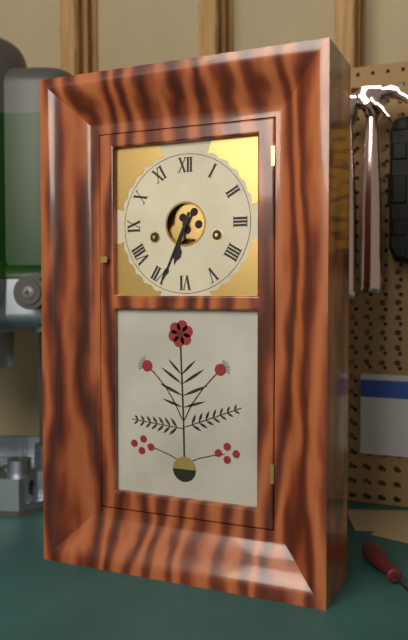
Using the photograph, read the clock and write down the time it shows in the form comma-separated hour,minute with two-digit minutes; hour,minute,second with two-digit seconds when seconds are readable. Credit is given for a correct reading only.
6,34
